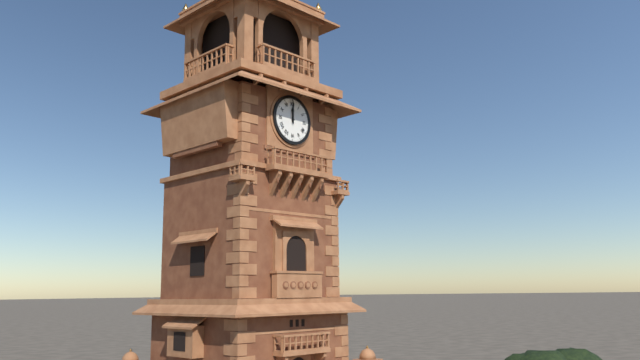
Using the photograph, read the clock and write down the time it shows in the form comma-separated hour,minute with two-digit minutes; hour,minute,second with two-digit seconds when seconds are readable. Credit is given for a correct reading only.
12,00
